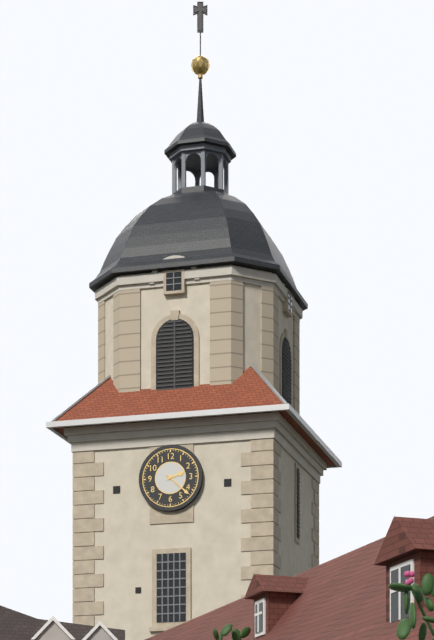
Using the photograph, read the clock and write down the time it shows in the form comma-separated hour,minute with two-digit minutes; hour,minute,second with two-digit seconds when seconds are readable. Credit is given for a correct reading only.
2,22
